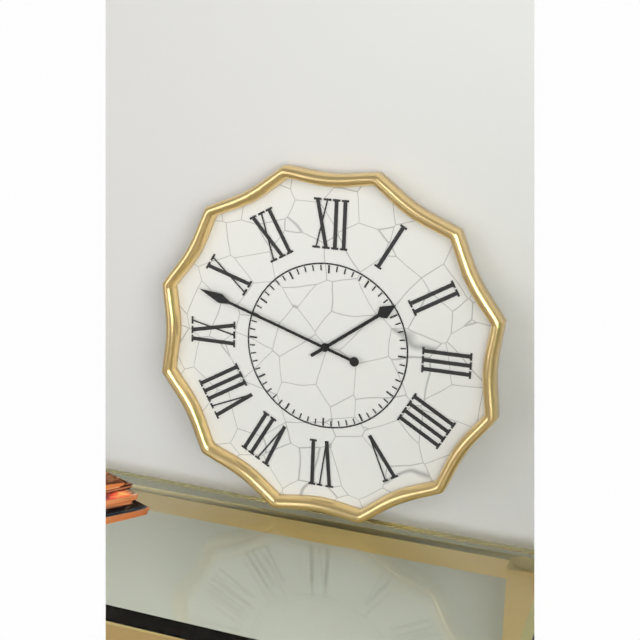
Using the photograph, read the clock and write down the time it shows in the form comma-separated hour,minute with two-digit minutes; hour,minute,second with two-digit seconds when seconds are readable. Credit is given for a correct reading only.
1,48
